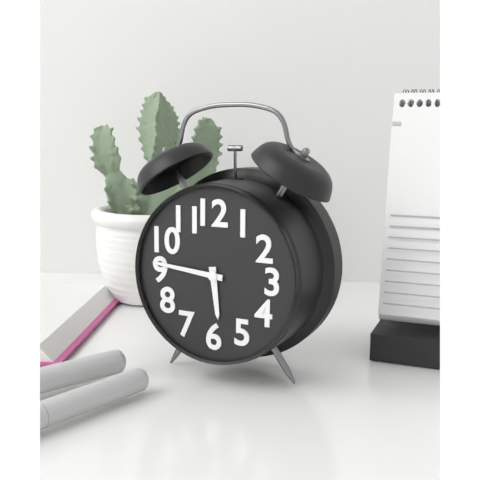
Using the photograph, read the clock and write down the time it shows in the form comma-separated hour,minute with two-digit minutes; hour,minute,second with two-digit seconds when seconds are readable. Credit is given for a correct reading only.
5,46
